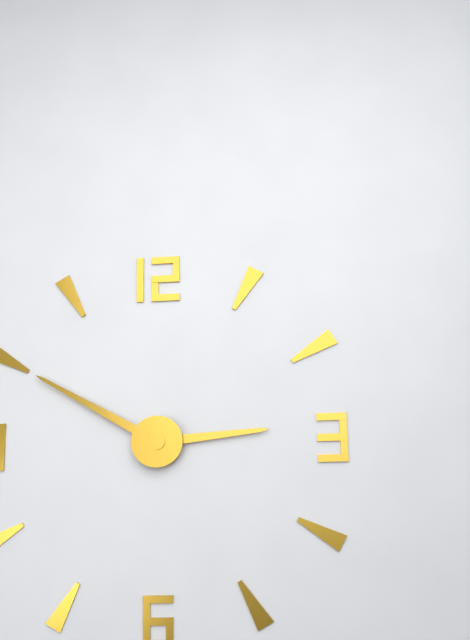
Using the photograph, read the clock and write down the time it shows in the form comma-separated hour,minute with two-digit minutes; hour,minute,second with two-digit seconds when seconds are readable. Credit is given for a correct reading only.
2,50
